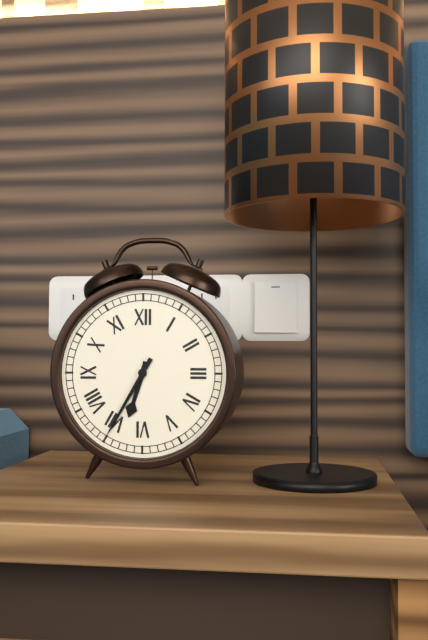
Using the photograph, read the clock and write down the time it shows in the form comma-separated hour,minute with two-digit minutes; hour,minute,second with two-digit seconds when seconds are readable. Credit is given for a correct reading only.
6,35
